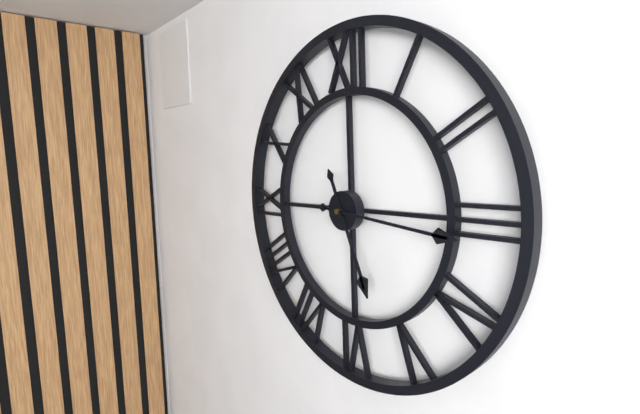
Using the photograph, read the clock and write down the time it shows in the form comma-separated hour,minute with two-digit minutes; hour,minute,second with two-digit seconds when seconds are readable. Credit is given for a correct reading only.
5,16
